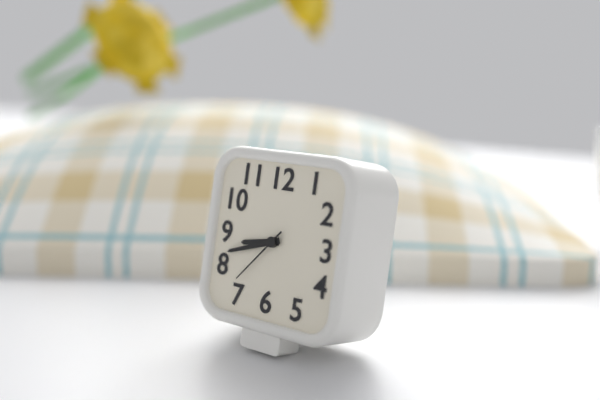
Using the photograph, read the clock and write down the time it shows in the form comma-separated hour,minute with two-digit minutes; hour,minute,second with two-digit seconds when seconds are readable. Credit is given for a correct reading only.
8,42,37
